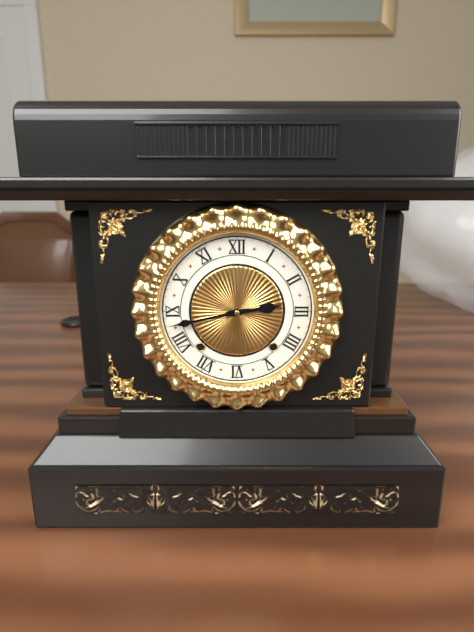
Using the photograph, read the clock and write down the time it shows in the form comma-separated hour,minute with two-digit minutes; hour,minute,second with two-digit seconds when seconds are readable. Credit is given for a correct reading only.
2,43
